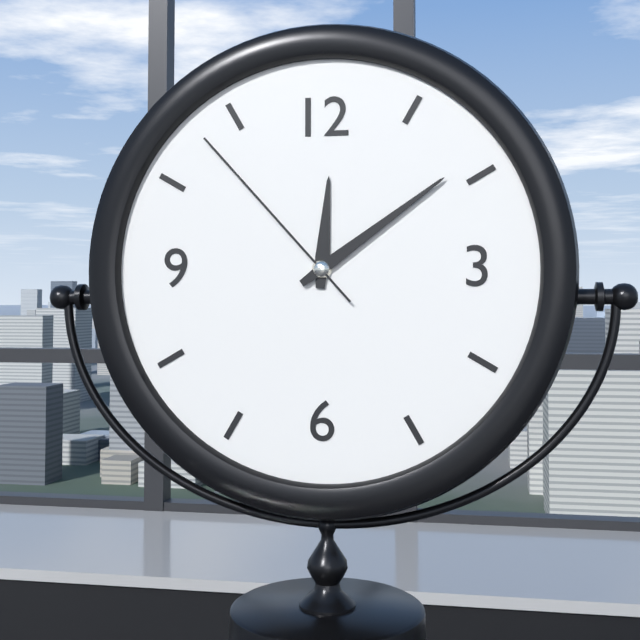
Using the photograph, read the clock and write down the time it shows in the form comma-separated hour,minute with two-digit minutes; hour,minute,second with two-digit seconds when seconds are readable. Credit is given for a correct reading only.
12,09,53
